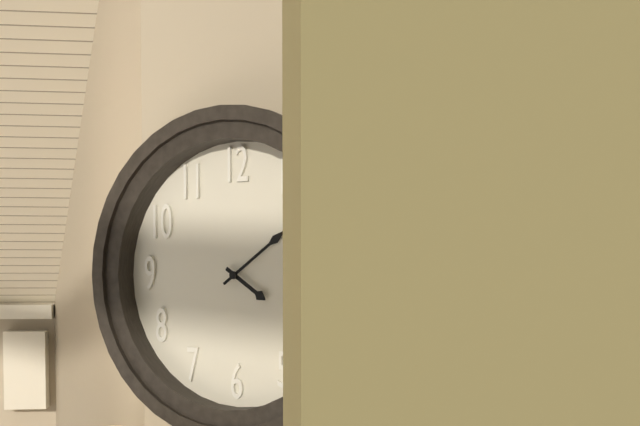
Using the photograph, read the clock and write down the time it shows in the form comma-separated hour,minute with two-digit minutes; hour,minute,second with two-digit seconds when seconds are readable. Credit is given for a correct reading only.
4,09
